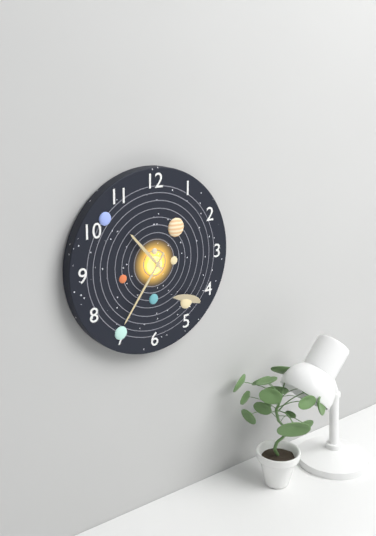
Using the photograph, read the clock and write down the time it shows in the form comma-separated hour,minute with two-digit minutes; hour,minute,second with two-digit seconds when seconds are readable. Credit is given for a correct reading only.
10,36
